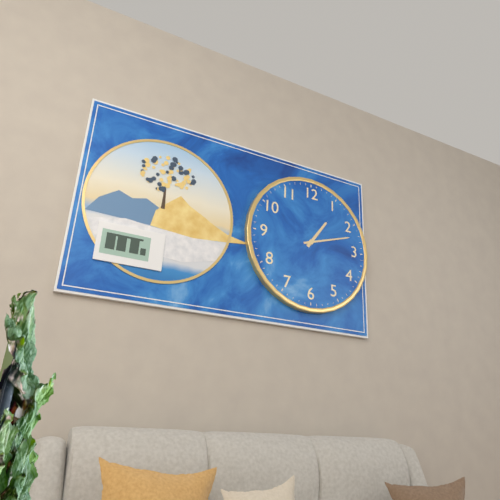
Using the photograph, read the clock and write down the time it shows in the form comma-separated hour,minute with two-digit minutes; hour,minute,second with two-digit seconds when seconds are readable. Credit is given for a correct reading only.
1,12
